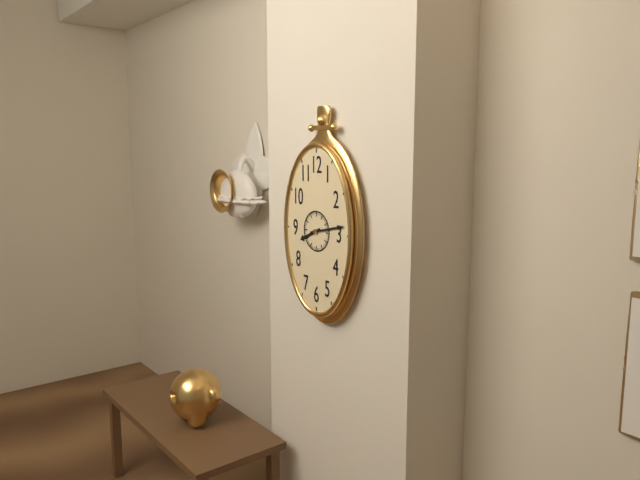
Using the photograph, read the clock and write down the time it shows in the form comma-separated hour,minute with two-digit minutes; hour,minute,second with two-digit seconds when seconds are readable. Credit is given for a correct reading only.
8,13
